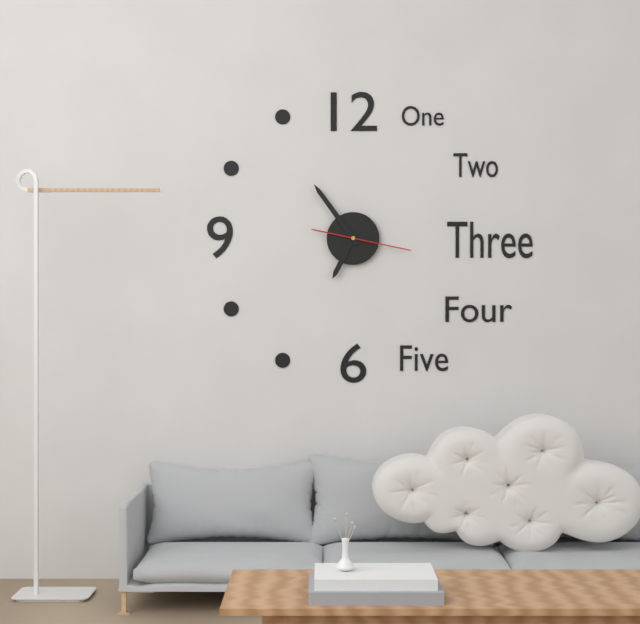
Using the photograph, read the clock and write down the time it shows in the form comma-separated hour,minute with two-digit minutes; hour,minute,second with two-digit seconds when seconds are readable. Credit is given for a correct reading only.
6,54,17
